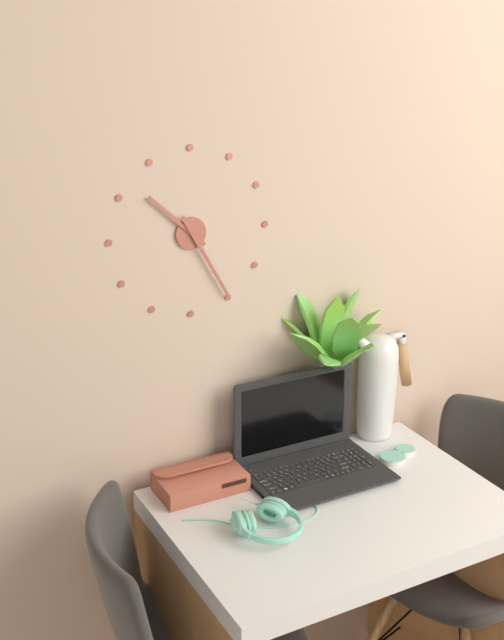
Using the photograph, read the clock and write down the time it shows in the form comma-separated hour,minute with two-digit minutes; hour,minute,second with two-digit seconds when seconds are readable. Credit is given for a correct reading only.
10,25
